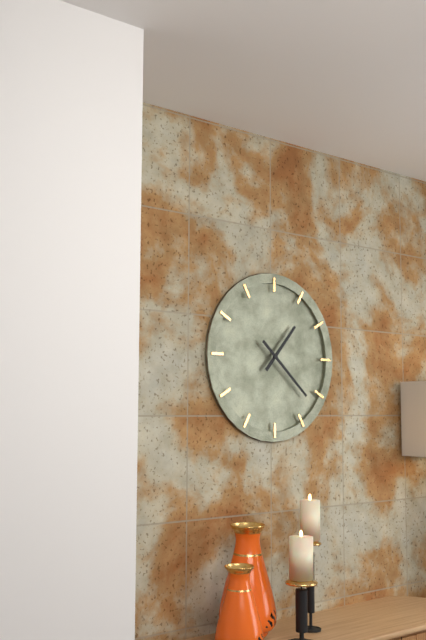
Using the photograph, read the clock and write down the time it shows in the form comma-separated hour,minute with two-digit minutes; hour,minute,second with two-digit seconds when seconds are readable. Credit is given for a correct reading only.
1,22
